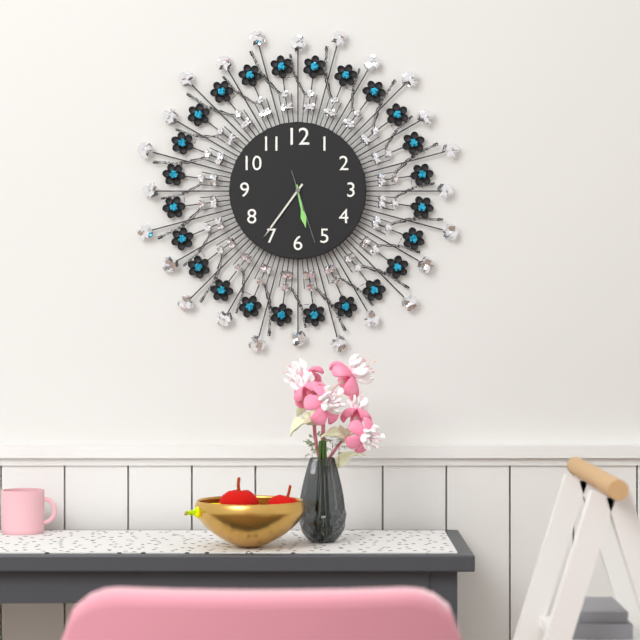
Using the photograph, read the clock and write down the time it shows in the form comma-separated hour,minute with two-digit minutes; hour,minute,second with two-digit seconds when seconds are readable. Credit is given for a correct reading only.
5,36,27
